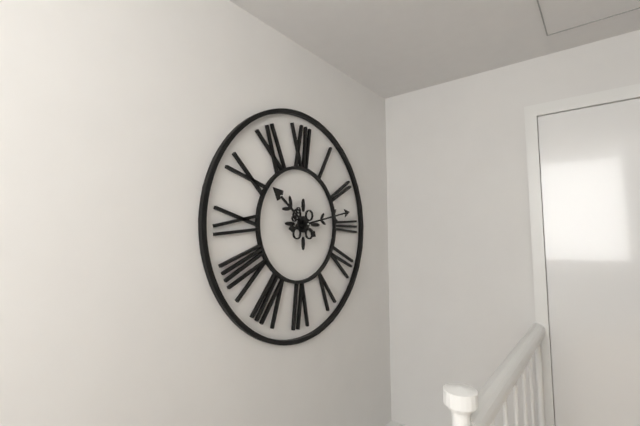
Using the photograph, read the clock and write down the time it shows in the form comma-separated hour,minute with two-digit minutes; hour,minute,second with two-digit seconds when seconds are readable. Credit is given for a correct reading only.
10,13
